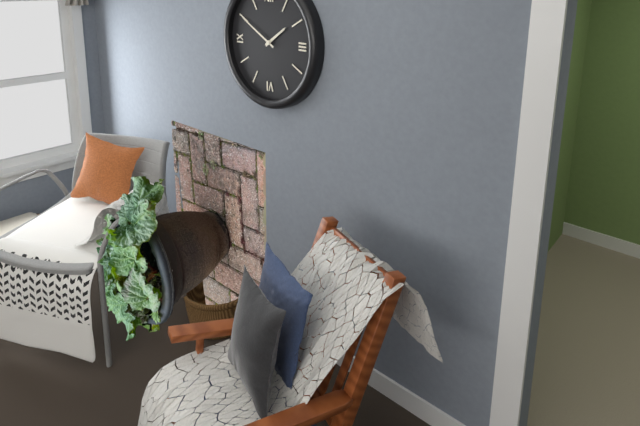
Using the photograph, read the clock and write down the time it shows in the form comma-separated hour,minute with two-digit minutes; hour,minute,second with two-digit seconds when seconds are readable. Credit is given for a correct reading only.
1,50
